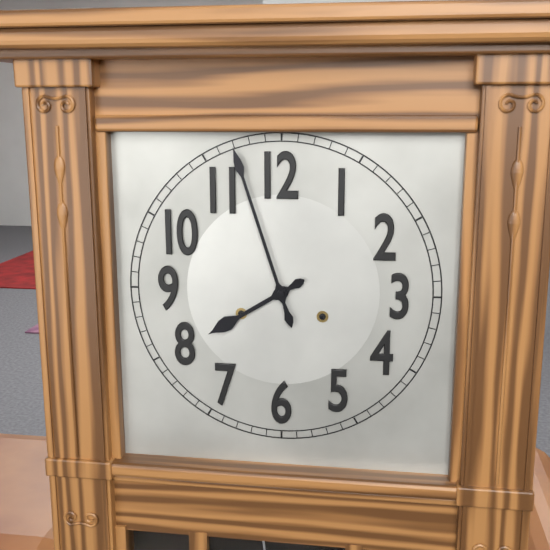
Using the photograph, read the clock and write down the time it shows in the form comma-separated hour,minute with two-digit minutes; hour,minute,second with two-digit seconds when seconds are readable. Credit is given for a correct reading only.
7,57
